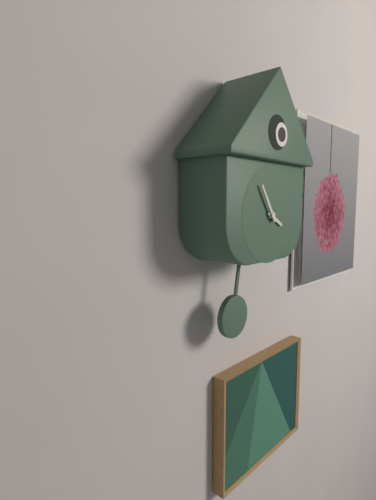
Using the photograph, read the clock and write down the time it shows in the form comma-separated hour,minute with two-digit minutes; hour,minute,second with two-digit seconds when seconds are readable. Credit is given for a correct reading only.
3,54
